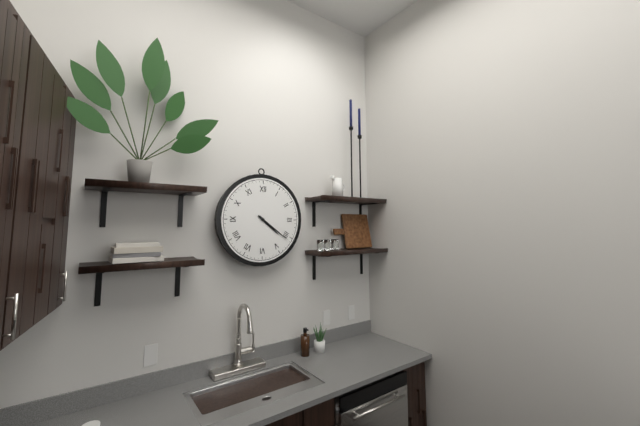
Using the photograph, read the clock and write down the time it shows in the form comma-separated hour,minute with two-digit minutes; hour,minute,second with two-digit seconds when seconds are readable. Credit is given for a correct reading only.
4,21
